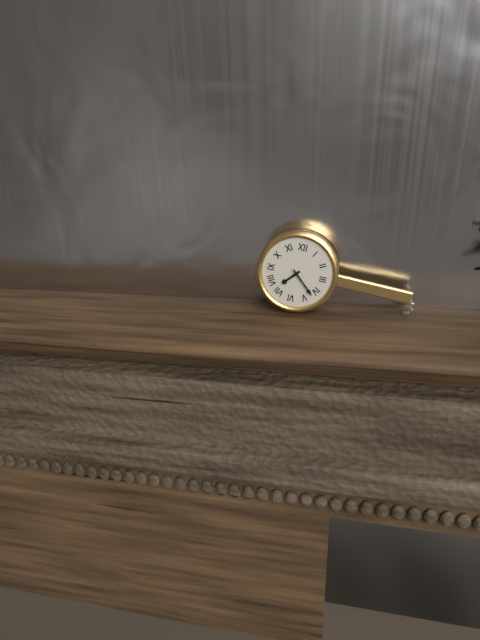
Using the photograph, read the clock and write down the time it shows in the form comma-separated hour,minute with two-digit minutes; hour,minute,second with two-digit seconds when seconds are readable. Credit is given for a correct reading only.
7,22
